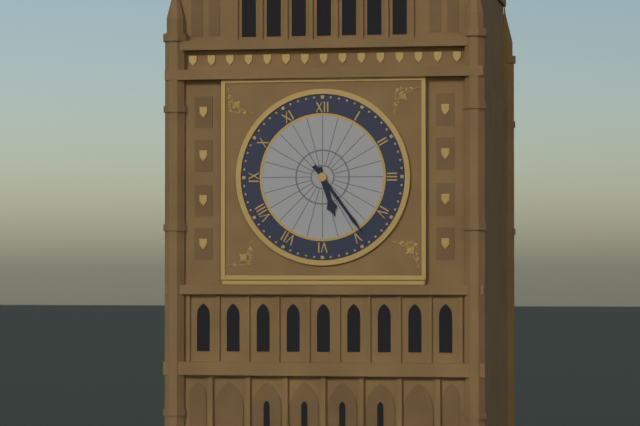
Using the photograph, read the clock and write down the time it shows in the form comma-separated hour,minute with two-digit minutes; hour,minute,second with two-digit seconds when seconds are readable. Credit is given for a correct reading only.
5,24
